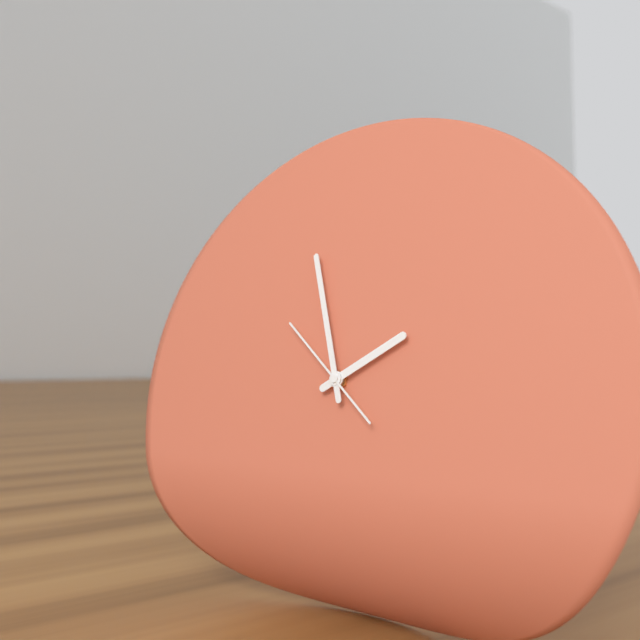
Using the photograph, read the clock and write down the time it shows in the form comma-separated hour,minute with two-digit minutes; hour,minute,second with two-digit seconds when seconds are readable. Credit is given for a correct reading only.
1,57,52
